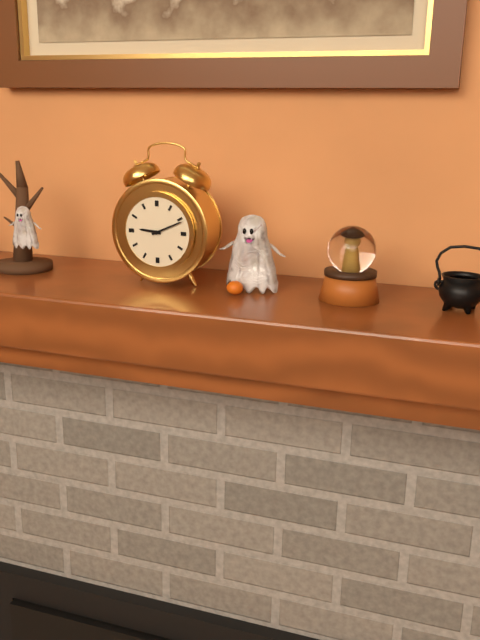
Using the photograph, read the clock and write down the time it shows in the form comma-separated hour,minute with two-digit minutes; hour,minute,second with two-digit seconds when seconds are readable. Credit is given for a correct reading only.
9,11
